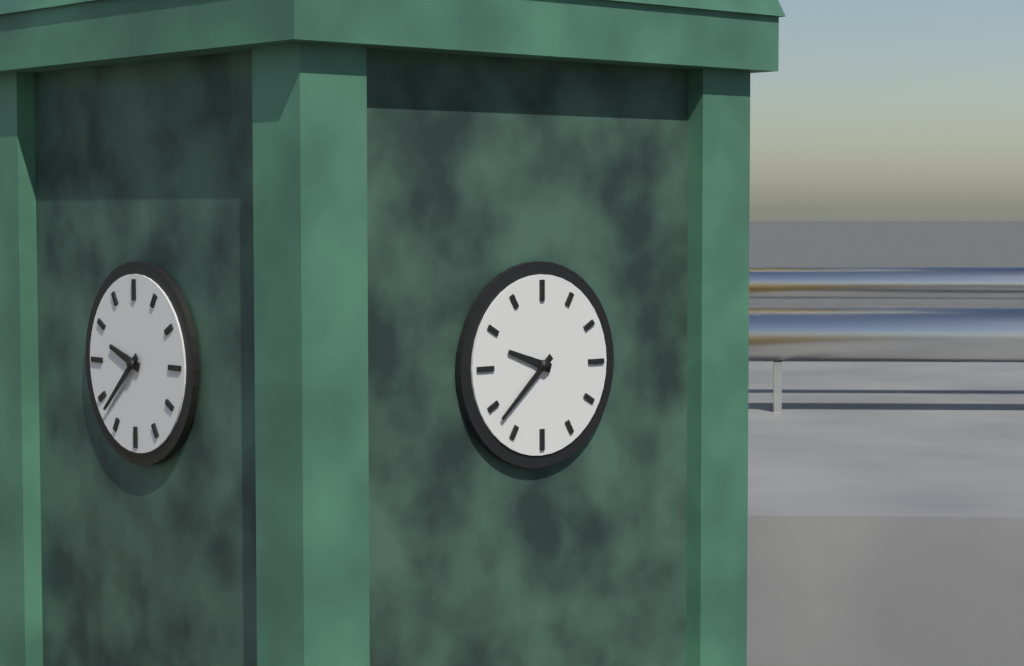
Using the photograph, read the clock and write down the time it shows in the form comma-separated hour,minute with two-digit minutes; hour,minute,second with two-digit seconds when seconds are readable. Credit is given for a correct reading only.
9,38
